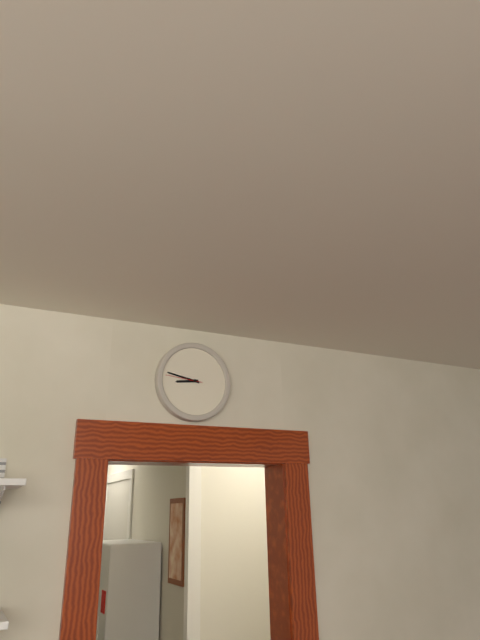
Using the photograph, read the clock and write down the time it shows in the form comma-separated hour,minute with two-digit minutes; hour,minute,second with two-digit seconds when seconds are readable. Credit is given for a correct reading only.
8,47
